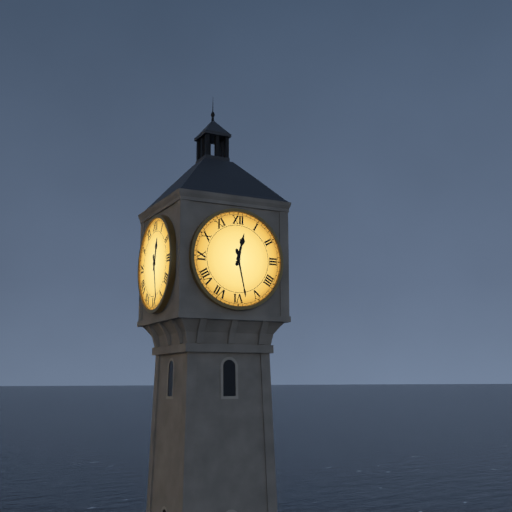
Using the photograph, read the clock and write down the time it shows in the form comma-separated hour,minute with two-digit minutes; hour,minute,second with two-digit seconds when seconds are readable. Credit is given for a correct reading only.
12,28
